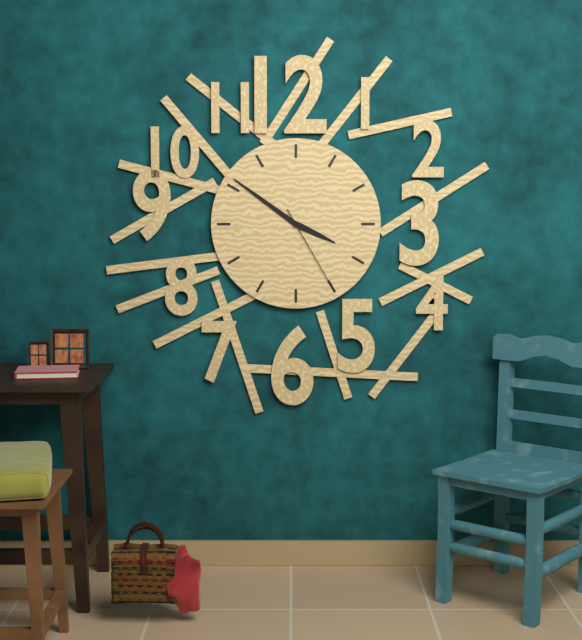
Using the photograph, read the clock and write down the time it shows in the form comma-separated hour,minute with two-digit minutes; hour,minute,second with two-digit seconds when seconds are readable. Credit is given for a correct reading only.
3,51,25
